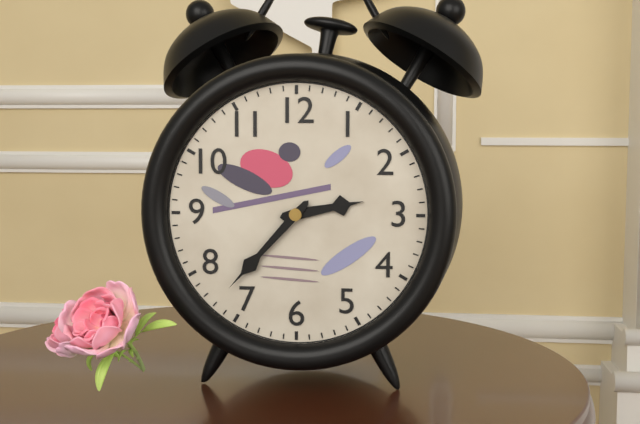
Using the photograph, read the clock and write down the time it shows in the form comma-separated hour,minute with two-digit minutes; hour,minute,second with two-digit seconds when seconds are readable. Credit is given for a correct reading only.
2,37
